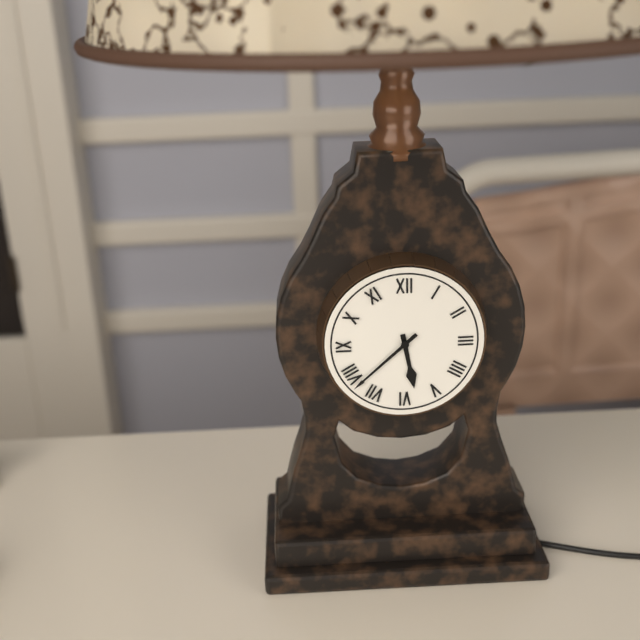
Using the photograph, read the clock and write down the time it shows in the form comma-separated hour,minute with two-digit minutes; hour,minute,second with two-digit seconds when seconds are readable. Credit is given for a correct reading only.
5,38
